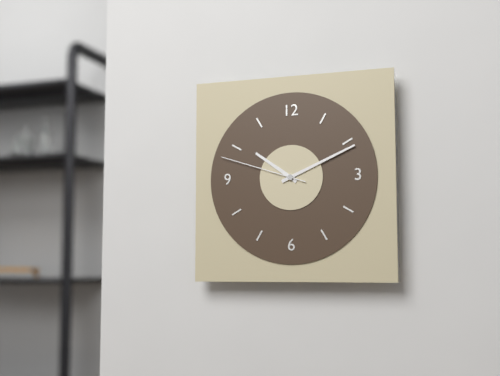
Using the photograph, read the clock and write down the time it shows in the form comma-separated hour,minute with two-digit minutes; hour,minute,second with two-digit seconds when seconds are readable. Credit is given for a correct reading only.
10,11,48
